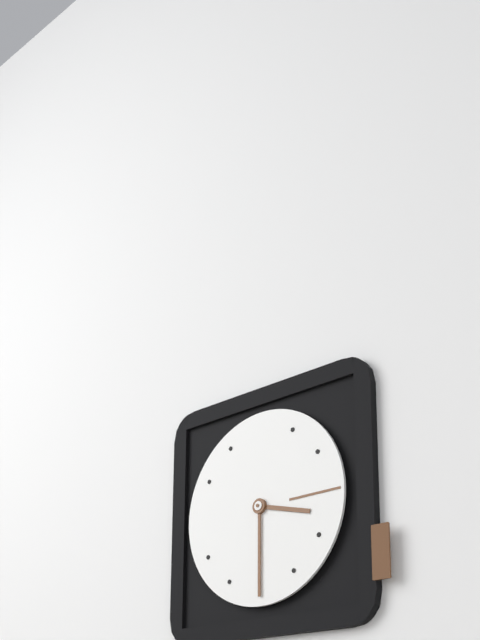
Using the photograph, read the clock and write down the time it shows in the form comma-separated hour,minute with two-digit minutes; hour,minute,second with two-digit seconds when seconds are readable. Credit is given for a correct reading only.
3,30
